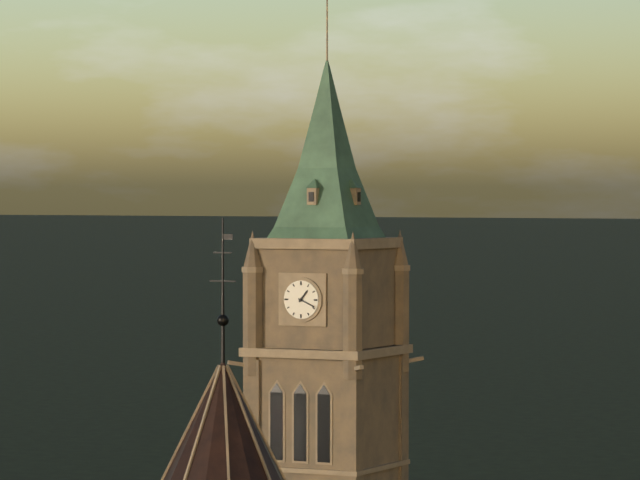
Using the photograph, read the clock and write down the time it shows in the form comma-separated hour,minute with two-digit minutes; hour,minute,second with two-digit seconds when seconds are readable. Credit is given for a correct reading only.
1,19
